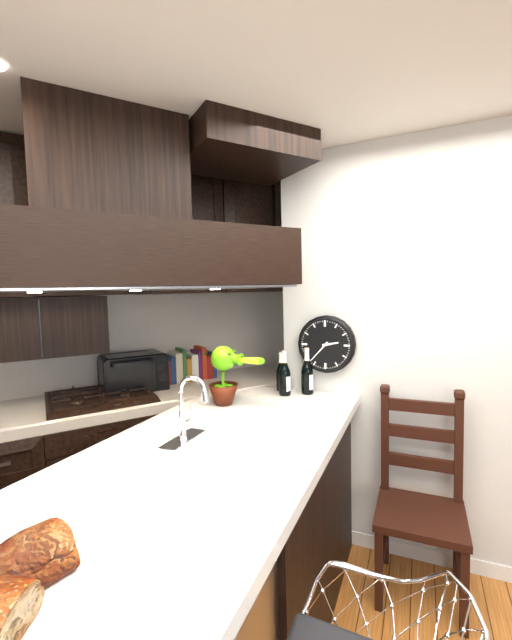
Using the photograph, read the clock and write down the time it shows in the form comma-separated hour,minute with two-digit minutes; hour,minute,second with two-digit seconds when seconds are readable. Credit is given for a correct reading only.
2,37
